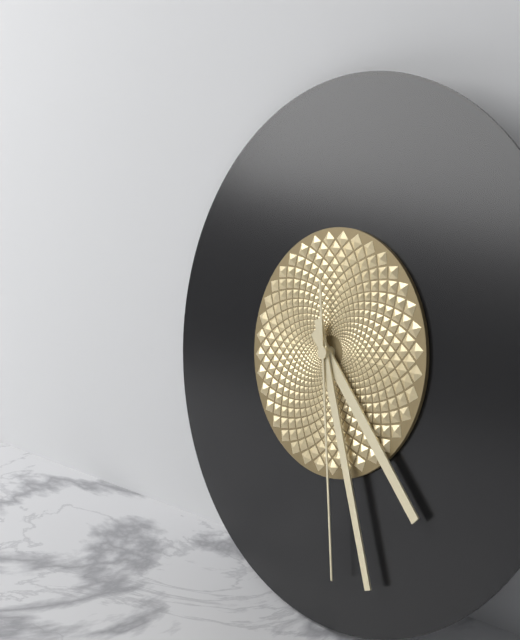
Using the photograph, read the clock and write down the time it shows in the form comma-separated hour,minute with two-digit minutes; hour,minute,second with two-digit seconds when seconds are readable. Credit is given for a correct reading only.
4,26,28
